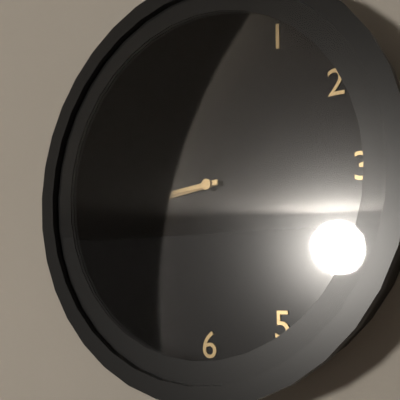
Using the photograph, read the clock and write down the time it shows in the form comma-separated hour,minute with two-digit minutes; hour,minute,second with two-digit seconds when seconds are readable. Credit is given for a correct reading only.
8,44
